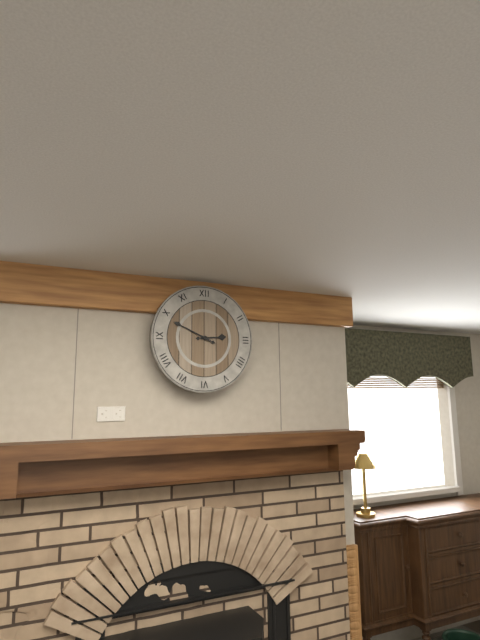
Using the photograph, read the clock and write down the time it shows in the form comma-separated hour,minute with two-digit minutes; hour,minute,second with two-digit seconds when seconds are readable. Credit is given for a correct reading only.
2,49
